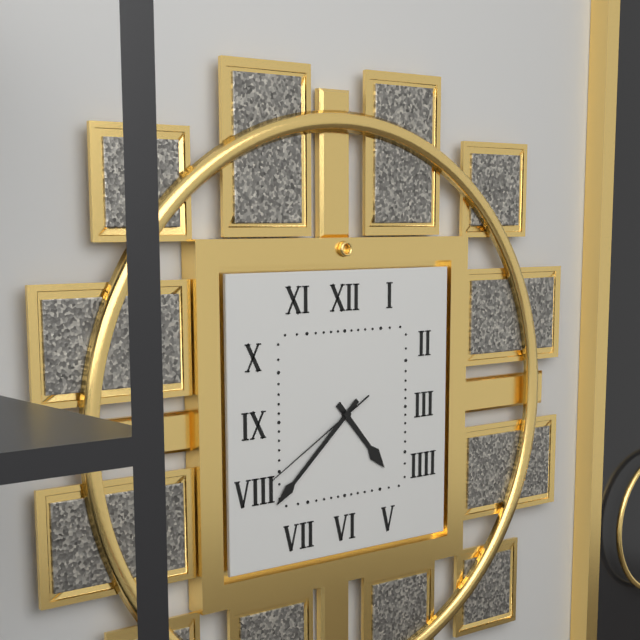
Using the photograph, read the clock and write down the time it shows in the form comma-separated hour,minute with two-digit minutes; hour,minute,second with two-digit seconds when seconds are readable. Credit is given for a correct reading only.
4,38,40
